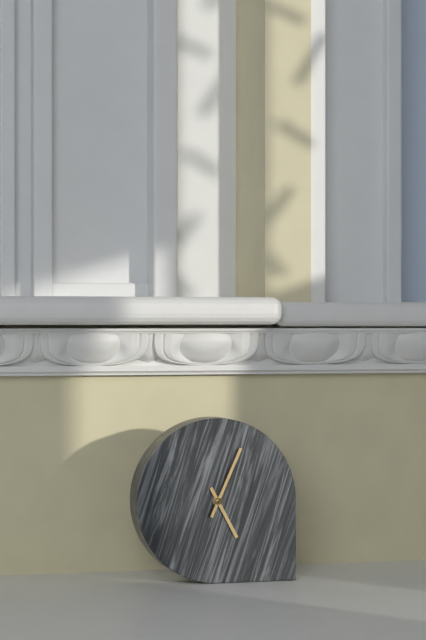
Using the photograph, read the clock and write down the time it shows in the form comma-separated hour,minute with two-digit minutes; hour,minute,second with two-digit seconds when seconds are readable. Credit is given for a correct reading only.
5,04
